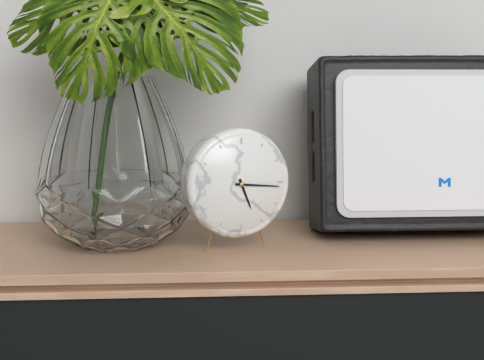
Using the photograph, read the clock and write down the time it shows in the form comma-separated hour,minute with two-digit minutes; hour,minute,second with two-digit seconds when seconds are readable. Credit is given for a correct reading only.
5,16
